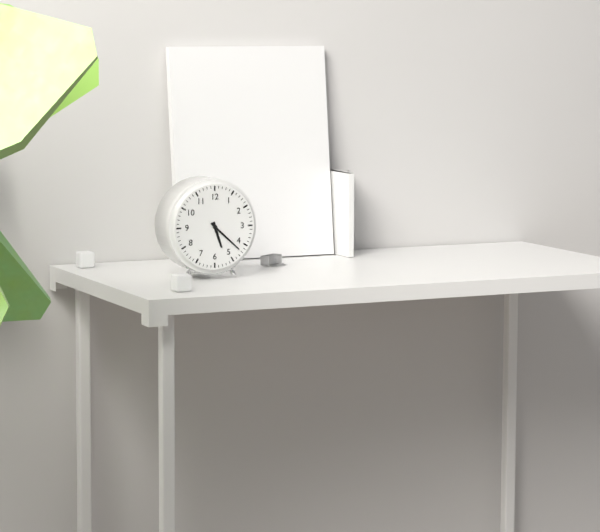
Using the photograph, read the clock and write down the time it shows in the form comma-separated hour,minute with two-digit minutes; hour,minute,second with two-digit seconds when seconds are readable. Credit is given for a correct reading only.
5,22
